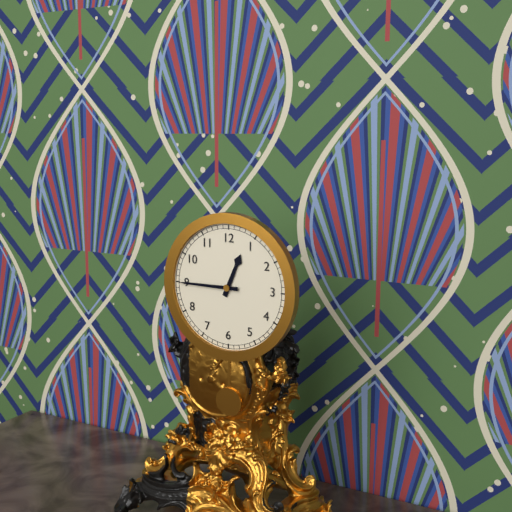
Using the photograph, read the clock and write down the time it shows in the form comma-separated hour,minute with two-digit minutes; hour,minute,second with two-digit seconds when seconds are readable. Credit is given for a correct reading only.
12,45
